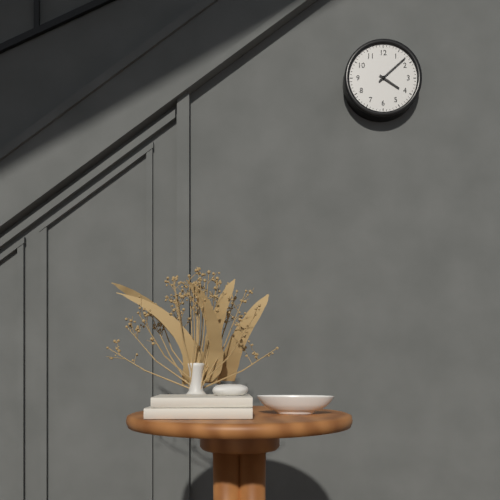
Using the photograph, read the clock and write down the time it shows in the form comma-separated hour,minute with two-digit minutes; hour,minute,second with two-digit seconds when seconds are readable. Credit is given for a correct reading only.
4,08
